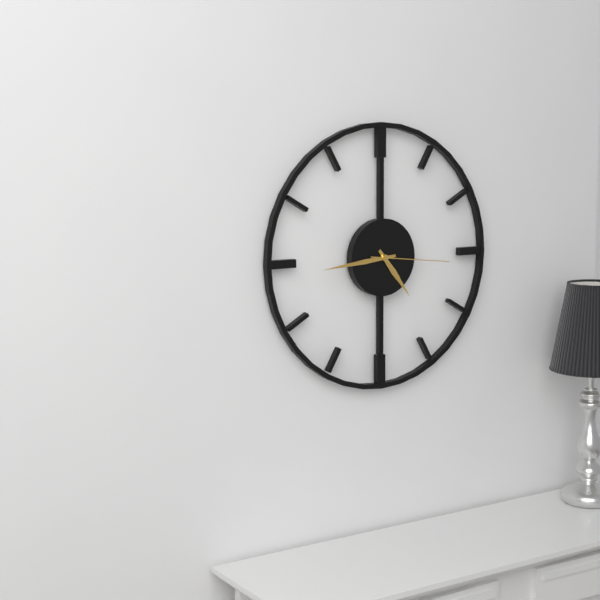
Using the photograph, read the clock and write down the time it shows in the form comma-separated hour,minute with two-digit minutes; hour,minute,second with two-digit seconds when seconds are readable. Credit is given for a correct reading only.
4,44,16
